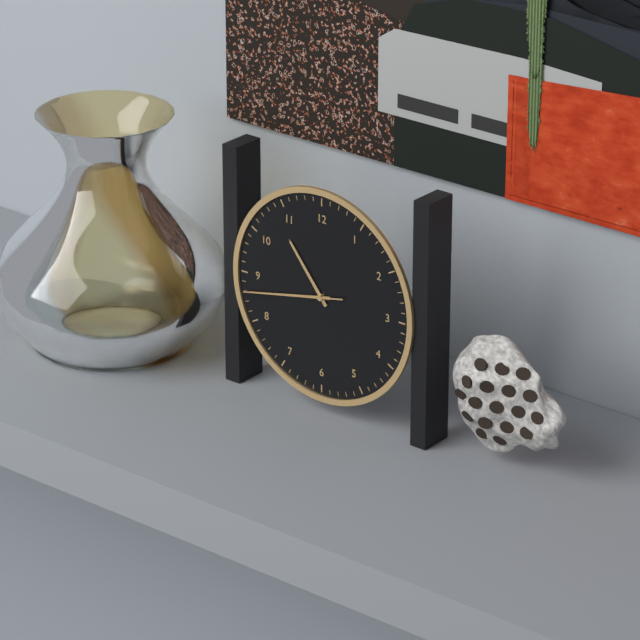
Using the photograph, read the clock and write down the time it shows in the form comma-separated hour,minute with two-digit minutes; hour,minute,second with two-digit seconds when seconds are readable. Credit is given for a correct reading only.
10,43,43
